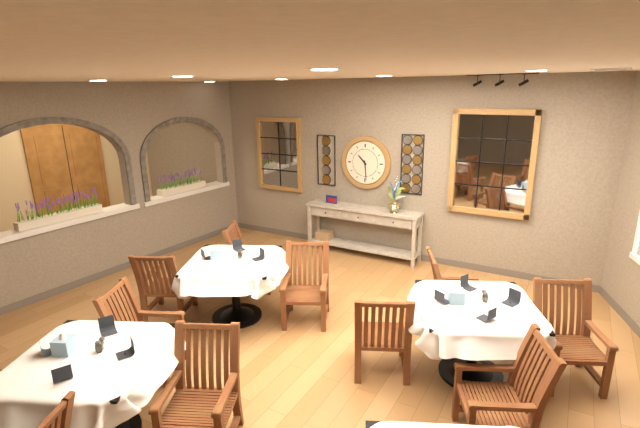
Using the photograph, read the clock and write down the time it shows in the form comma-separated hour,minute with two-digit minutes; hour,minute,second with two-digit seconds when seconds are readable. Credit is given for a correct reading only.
10,29
